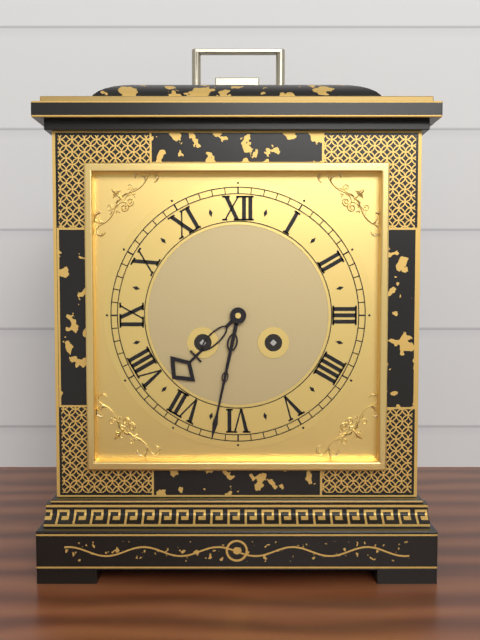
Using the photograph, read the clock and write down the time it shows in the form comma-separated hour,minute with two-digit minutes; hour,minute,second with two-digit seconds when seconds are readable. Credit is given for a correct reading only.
7,32
